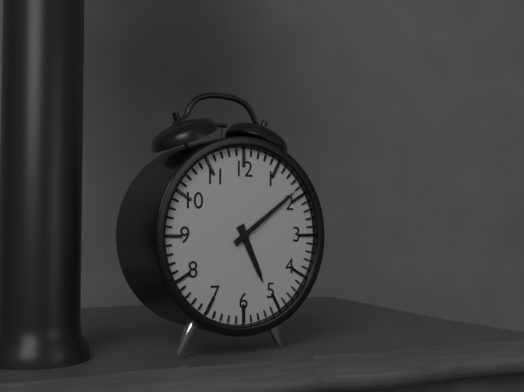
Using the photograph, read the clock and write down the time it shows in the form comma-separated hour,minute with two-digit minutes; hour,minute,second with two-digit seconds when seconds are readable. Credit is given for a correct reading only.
5,09
